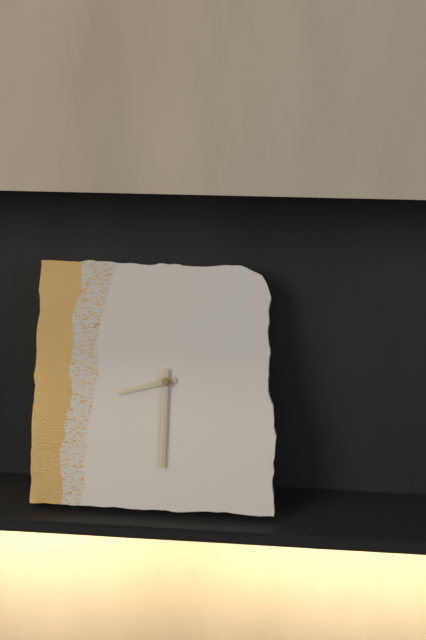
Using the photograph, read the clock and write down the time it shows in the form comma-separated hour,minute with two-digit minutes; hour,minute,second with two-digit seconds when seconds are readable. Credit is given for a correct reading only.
8,30
